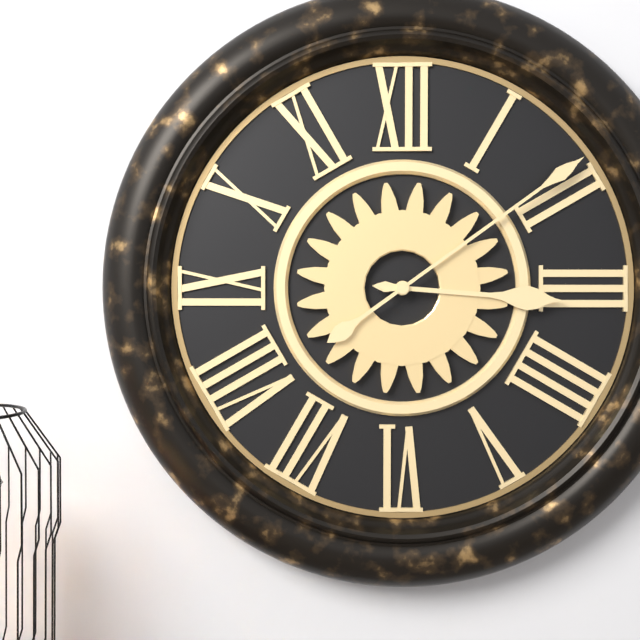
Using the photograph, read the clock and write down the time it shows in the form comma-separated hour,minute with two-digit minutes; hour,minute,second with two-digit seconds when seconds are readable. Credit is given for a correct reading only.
3,09
